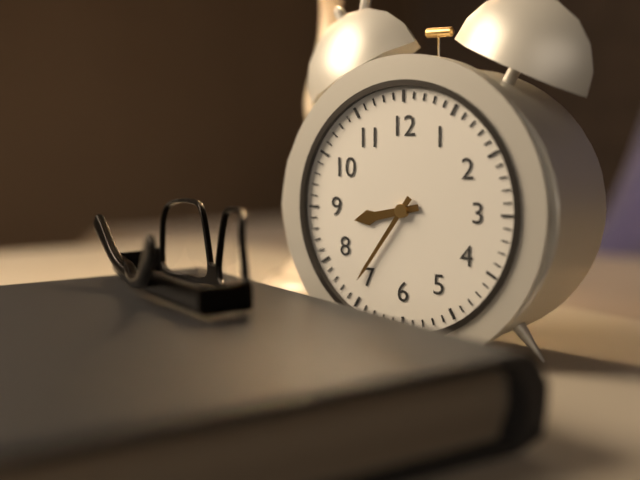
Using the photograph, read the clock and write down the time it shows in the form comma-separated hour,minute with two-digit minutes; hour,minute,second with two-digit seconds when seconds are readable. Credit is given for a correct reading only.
8,36
